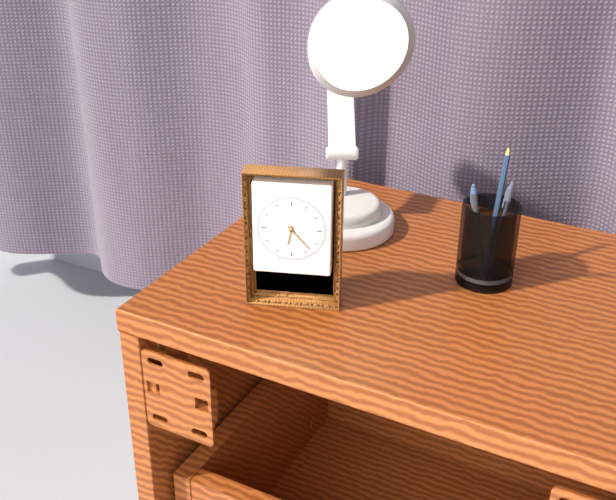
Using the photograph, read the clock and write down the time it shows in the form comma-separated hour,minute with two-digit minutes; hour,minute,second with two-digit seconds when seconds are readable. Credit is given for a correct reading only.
6,23
